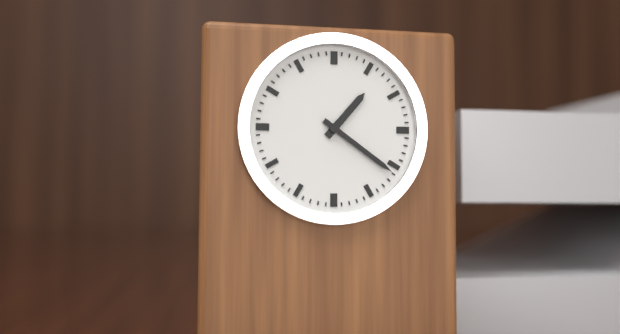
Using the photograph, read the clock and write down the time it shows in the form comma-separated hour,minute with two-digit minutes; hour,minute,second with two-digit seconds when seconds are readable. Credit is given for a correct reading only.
1,21
